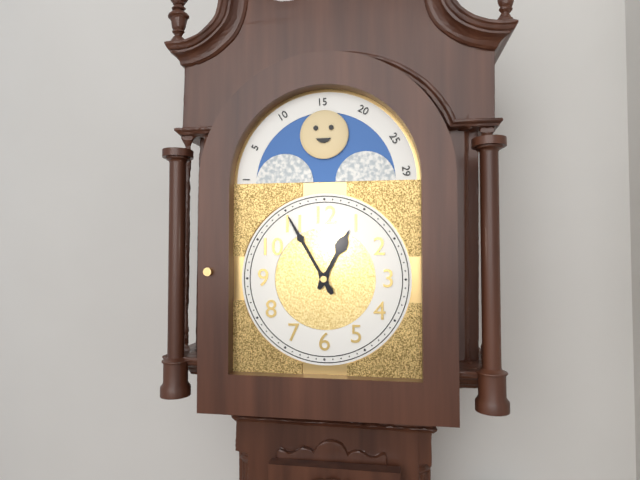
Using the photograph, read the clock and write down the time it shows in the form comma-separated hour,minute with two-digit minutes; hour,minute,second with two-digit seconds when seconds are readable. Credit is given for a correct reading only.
12,55
